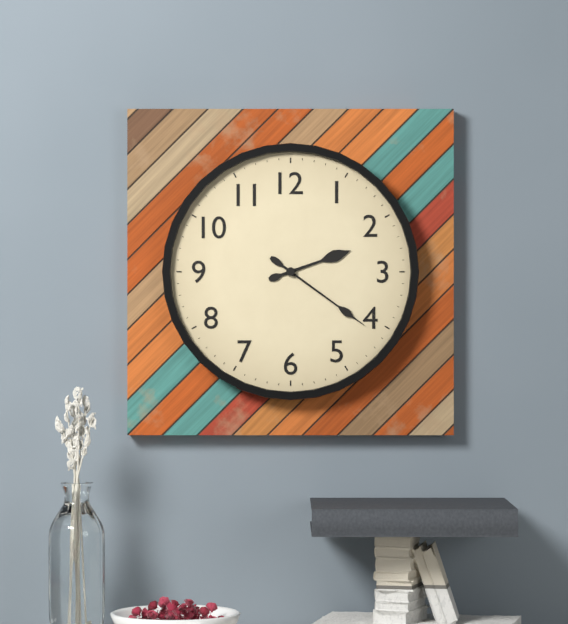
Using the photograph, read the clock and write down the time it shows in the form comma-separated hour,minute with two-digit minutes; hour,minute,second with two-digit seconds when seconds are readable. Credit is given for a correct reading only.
2,21
